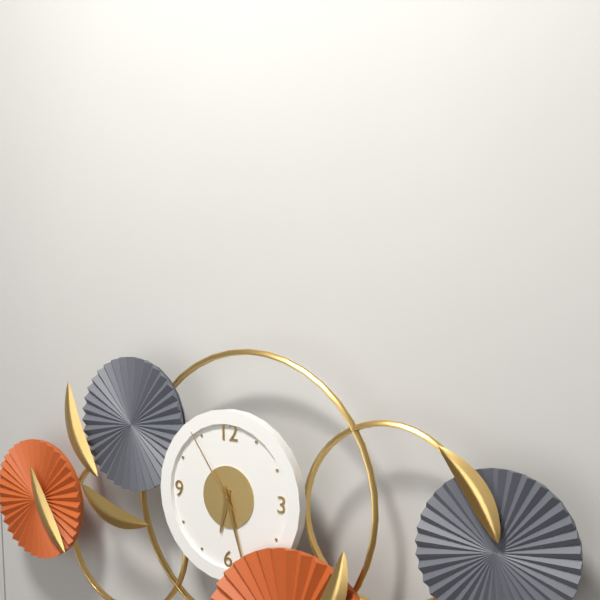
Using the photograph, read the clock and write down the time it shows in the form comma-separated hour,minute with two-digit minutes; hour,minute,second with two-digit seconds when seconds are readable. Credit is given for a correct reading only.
6,27,54
